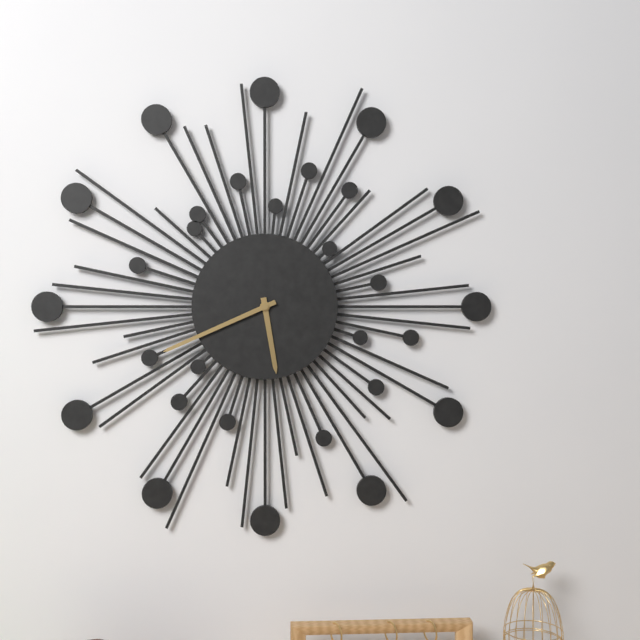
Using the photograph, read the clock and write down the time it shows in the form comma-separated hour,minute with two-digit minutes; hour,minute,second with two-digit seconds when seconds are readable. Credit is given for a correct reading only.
5,41
